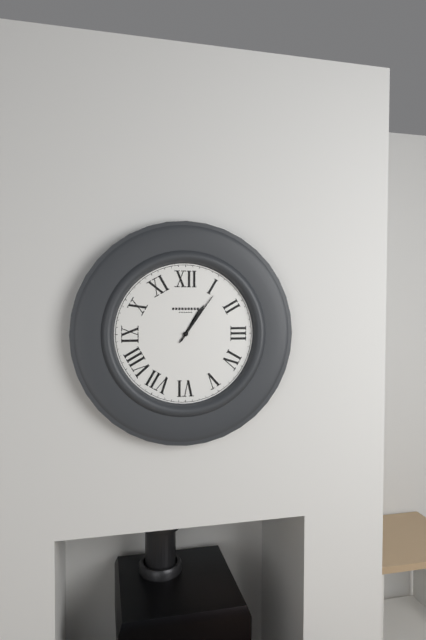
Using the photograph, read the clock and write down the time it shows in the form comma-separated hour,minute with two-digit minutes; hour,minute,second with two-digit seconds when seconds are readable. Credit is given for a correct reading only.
1,06
